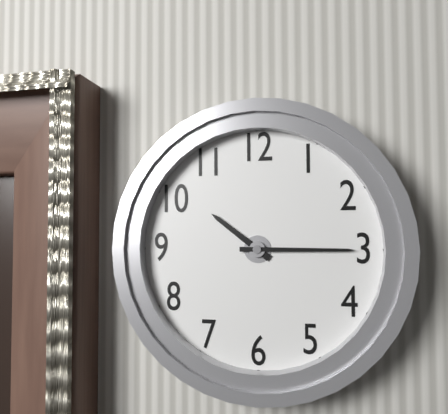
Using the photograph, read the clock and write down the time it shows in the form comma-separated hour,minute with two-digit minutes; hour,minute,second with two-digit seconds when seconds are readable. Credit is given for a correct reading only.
10,15
